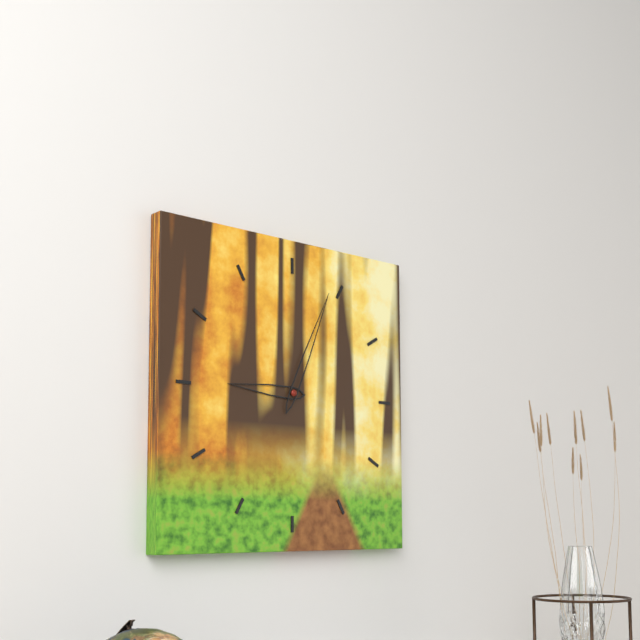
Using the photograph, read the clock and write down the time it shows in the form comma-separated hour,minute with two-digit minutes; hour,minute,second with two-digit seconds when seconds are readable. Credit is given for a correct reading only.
9,04
